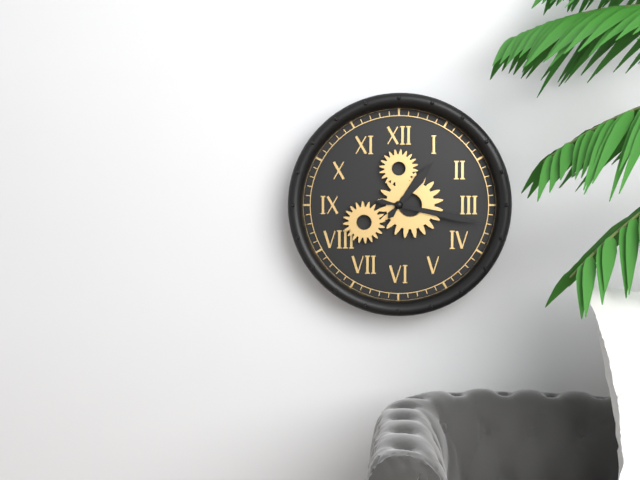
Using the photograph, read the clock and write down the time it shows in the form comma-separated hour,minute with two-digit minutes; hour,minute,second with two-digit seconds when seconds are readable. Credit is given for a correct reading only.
1,17
